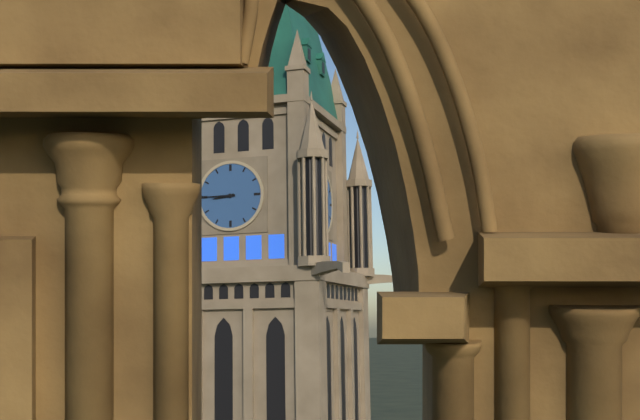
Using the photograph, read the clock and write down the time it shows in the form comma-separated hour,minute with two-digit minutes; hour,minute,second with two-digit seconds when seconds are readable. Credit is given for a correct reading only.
8,45
